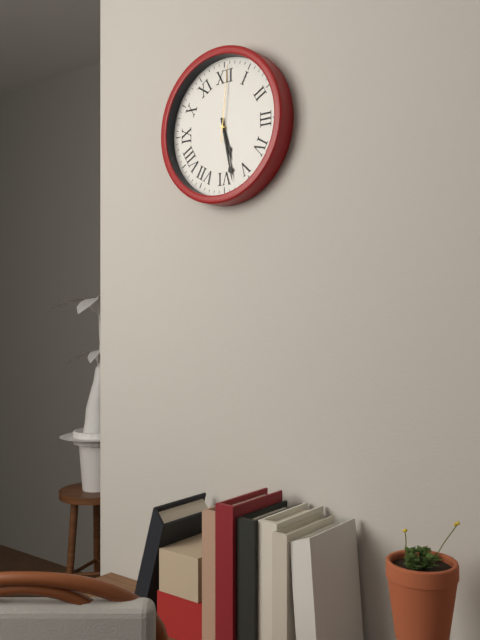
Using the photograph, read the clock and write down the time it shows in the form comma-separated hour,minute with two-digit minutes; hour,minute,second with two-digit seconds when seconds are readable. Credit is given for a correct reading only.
5,28,01
